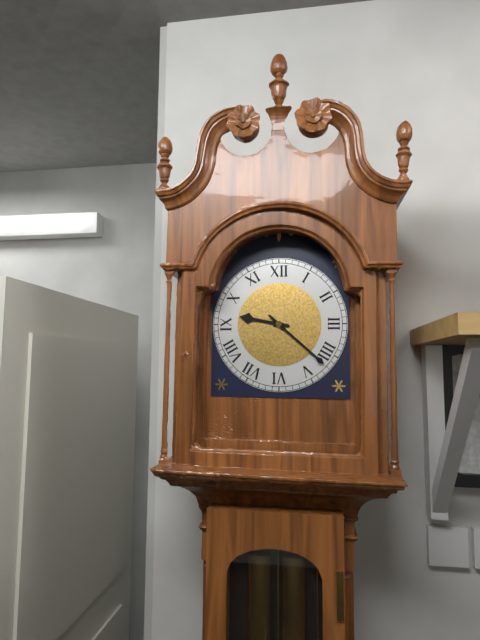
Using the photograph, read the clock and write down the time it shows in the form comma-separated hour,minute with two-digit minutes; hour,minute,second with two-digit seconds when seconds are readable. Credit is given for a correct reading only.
9,22
